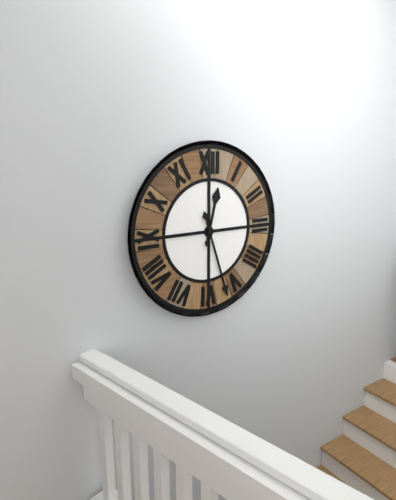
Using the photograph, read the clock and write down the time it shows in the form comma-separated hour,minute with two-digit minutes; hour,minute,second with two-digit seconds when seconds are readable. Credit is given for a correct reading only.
12,27
